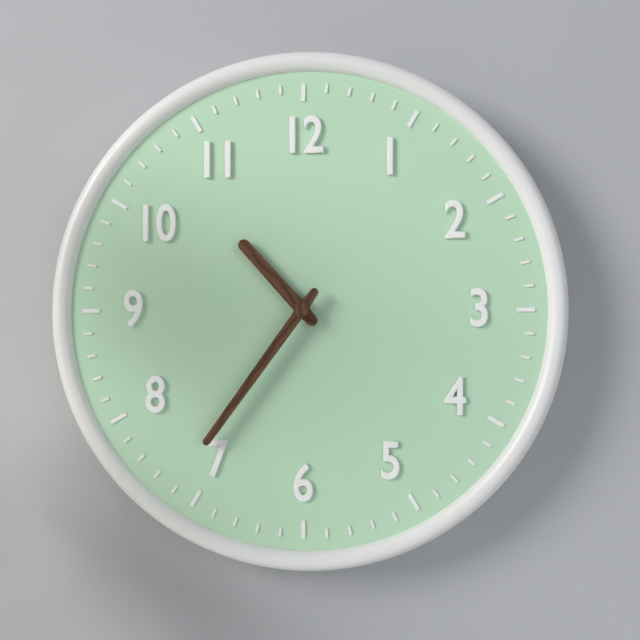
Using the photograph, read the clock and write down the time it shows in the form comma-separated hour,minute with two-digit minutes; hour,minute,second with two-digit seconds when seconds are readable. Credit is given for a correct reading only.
10,36
